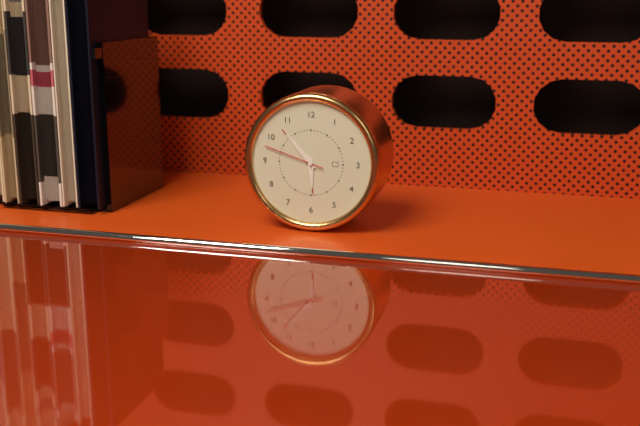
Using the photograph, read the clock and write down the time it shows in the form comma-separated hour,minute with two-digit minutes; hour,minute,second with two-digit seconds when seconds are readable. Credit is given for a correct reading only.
5,53,48
